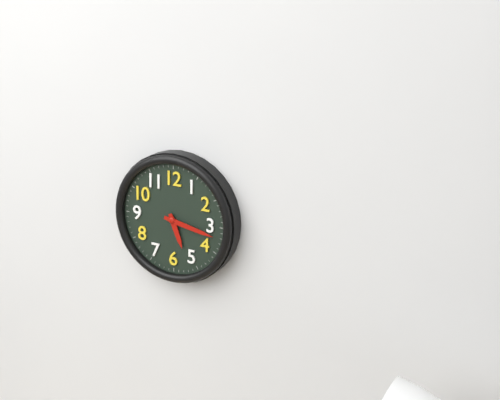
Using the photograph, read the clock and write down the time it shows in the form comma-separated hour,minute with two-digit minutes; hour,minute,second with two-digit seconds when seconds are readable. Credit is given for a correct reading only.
5,17
